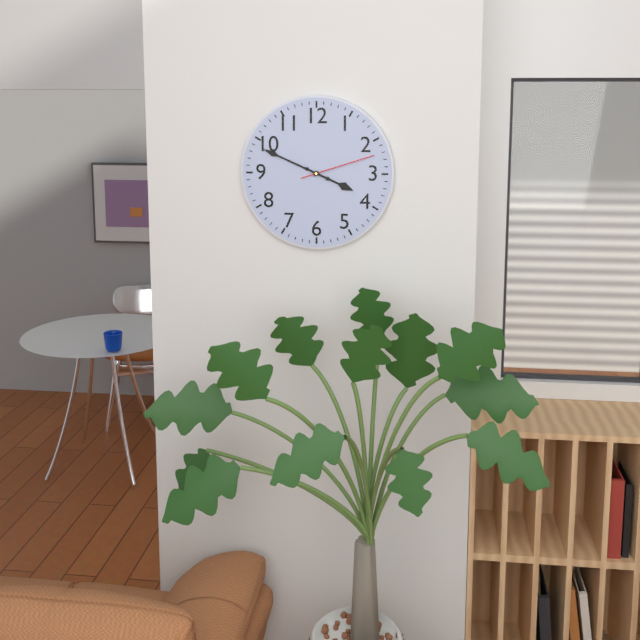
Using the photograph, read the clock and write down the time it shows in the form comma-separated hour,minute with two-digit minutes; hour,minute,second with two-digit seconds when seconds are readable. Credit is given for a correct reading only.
3,49,12
